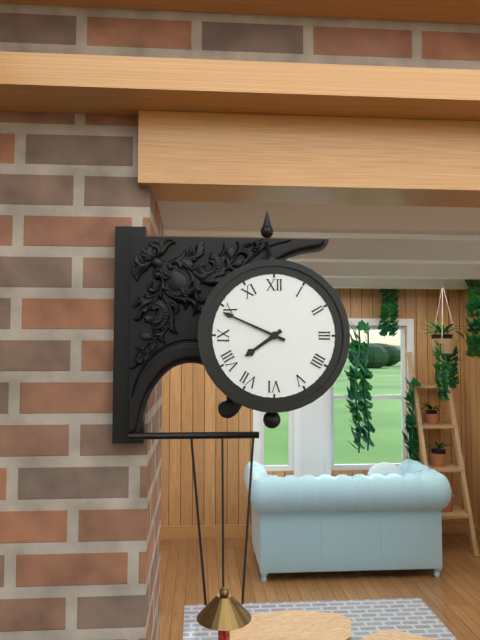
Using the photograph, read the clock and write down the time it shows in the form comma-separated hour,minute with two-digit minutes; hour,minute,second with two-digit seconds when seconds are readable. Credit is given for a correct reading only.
7,49
